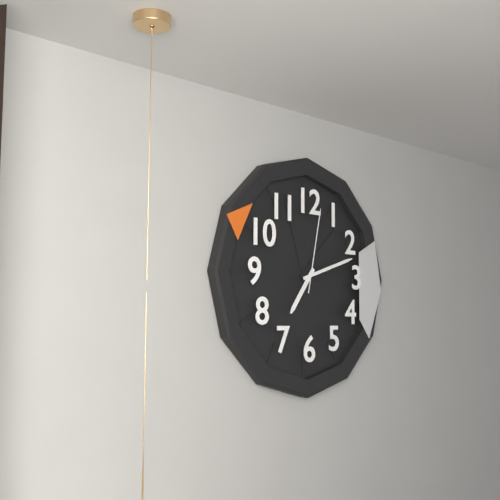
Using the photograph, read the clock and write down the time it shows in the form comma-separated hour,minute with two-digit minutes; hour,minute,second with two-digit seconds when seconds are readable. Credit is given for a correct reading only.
7,12,02
